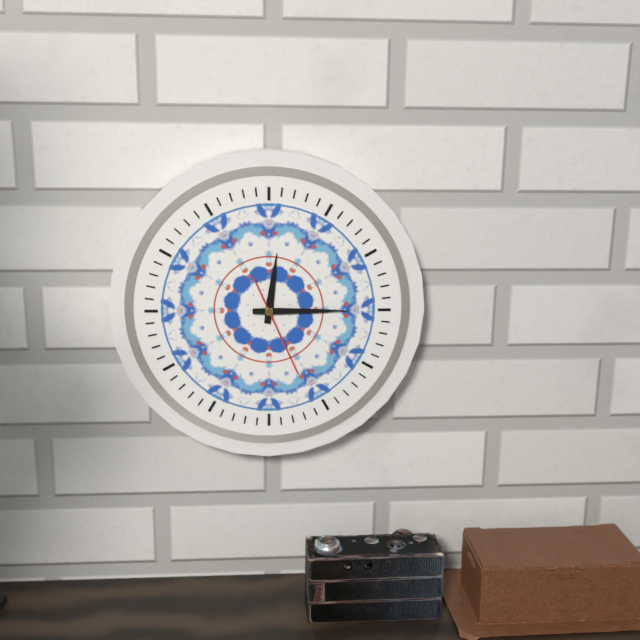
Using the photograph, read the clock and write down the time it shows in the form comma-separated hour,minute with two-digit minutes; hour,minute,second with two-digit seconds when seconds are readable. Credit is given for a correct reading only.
12,15,26
